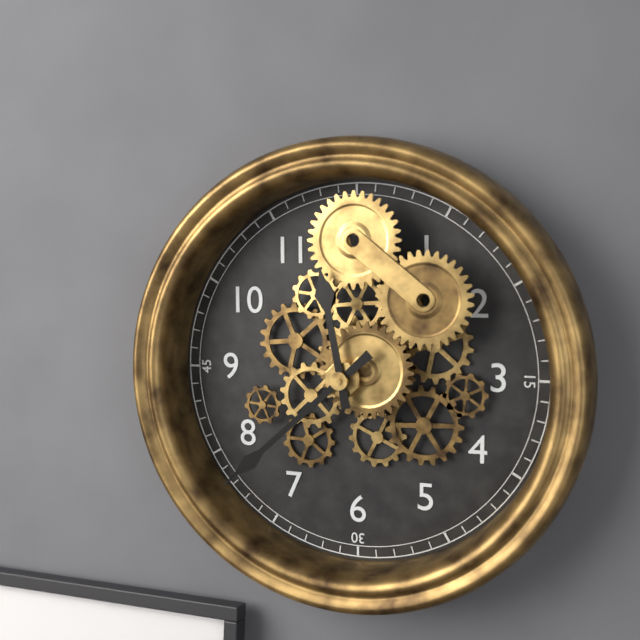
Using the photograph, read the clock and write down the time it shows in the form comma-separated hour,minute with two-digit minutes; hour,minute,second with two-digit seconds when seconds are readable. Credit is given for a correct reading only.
11,38
